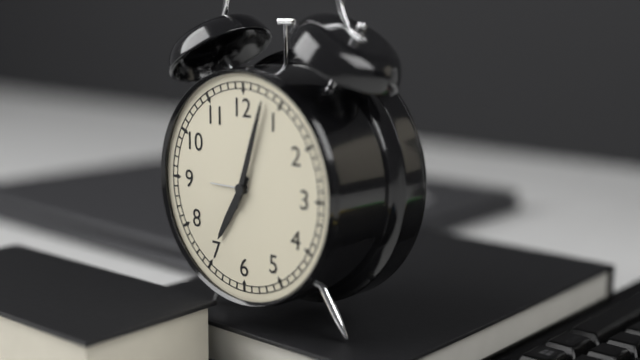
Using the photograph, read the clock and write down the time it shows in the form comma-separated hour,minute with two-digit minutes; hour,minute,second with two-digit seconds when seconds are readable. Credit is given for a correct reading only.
7,03
